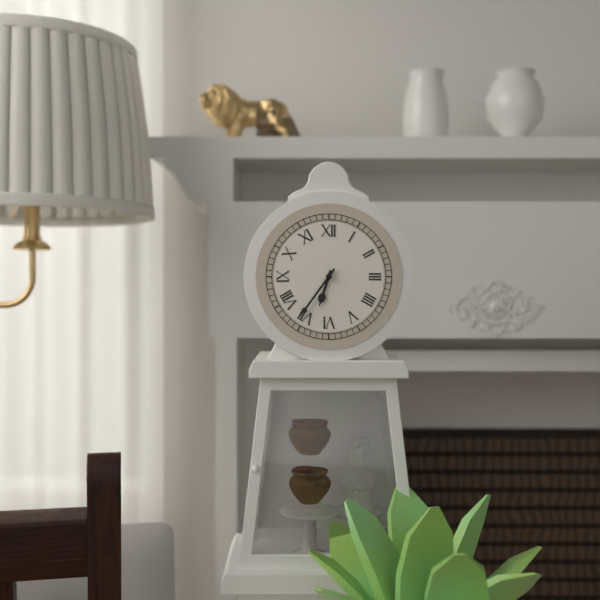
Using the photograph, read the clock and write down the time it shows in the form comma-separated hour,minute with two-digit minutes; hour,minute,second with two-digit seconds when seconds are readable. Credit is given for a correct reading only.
6,36
